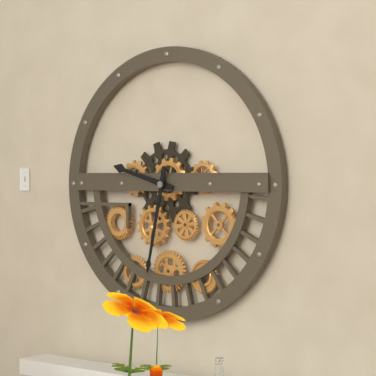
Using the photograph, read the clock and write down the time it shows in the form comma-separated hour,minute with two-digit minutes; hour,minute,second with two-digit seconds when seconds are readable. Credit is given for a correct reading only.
9,32
